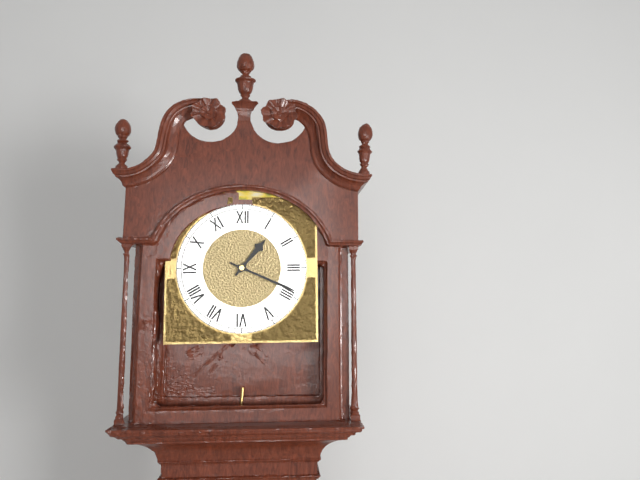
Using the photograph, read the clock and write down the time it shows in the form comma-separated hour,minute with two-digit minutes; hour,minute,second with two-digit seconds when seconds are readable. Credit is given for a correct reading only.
1,19
